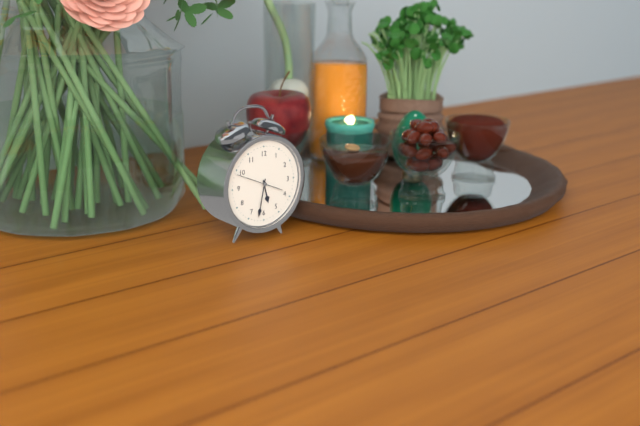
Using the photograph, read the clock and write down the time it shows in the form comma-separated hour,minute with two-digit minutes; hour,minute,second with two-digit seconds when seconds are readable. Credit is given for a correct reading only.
5,32
